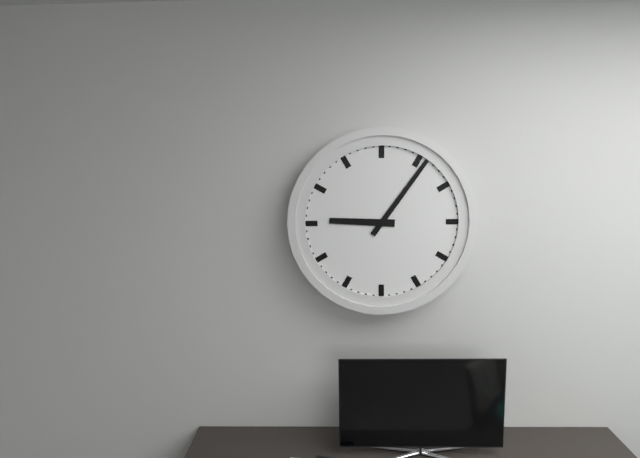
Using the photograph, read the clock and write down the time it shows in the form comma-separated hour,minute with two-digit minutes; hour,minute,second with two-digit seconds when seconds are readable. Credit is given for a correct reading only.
9,06
